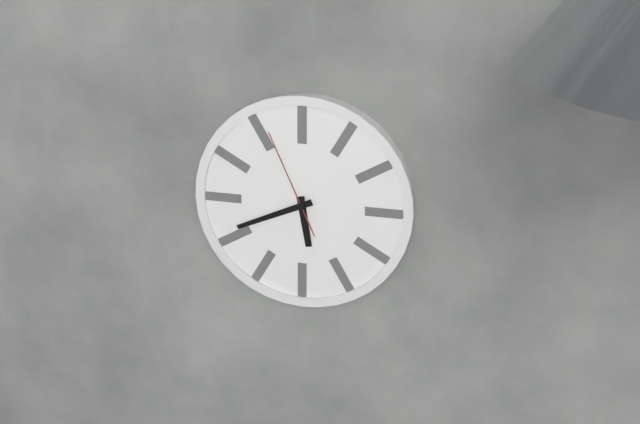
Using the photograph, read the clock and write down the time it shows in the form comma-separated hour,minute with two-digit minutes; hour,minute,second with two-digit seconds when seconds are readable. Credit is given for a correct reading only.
5,41,56
